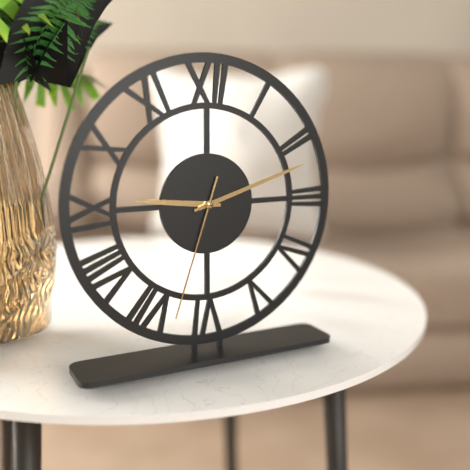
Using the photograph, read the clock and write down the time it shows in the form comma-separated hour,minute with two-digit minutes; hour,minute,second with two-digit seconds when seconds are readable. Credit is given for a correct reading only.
9,12,33
